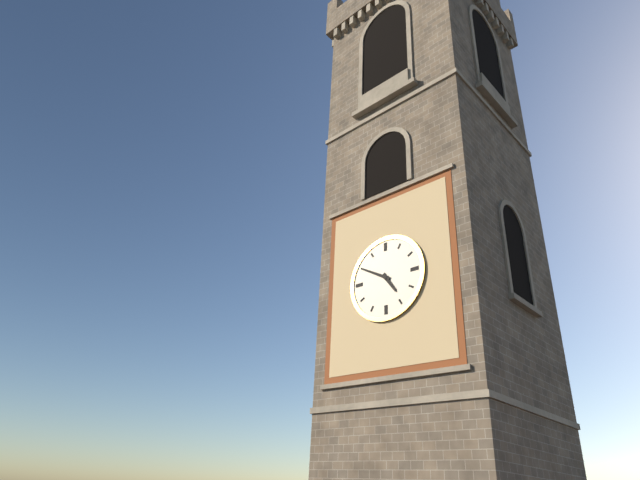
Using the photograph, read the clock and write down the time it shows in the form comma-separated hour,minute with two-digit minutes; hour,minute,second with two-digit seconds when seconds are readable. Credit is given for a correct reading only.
4,50
